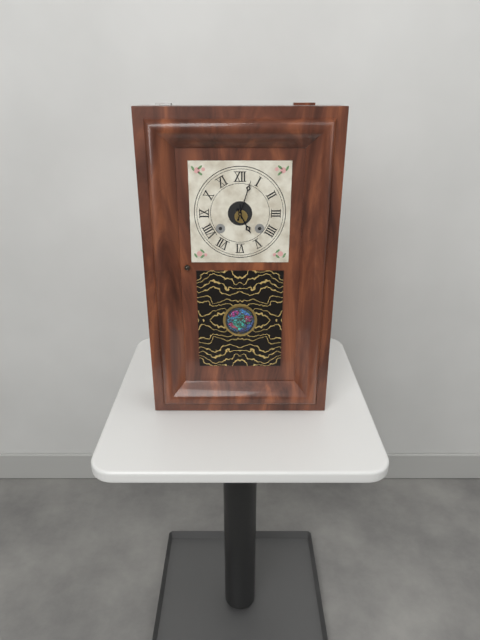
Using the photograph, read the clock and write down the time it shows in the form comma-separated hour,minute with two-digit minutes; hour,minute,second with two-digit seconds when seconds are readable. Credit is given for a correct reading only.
5,03
